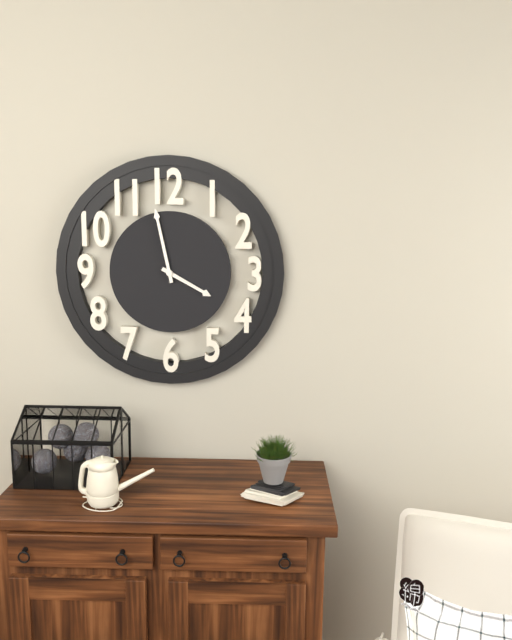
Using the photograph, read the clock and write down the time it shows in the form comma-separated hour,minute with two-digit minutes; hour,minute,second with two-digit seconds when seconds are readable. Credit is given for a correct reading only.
3,58
